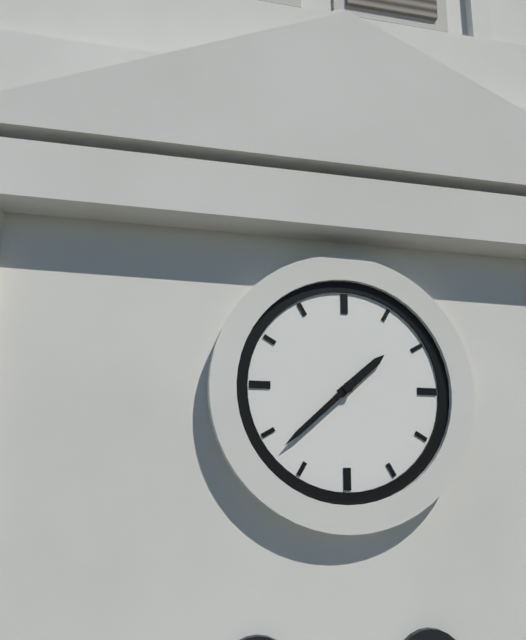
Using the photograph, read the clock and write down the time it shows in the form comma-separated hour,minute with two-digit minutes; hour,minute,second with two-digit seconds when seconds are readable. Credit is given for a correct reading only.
1,38
